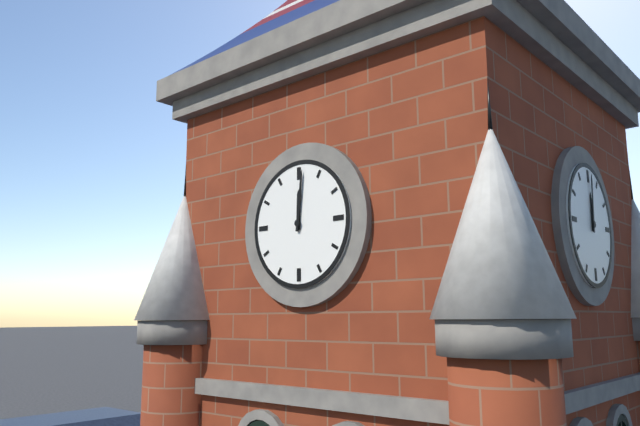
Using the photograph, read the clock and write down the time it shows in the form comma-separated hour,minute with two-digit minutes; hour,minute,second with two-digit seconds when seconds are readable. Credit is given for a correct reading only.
12,01
